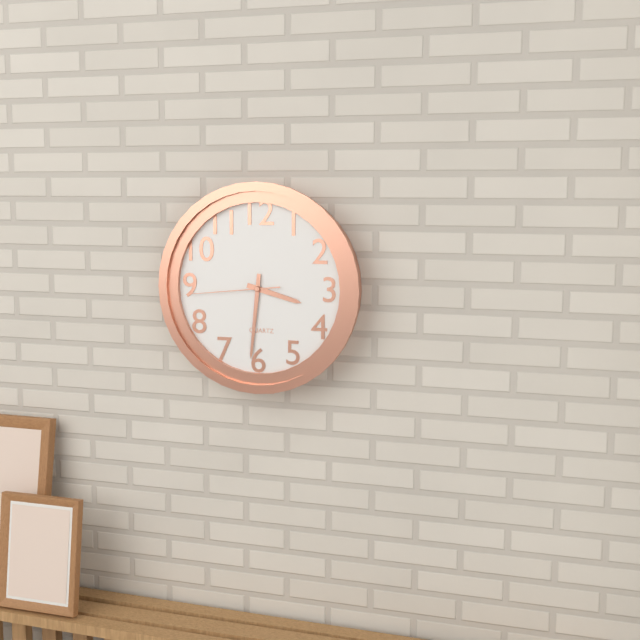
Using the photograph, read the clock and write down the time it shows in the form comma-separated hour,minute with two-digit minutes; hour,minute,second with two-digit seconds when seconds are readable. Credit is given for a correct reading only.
3,31,44
